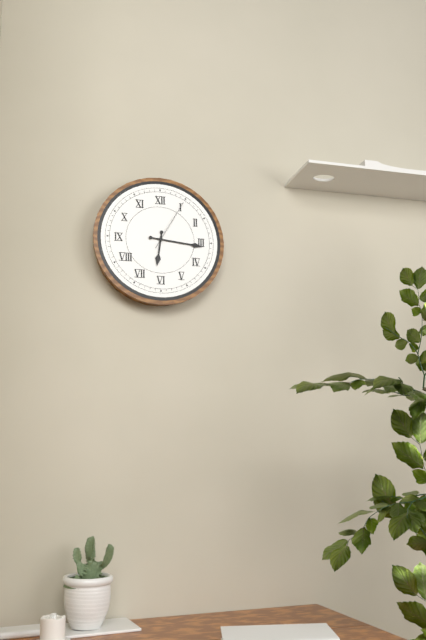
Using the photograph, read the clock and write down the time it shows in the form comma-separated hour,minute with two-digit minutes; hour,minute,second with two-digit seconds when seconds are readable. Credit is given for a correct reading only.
6,16,05
